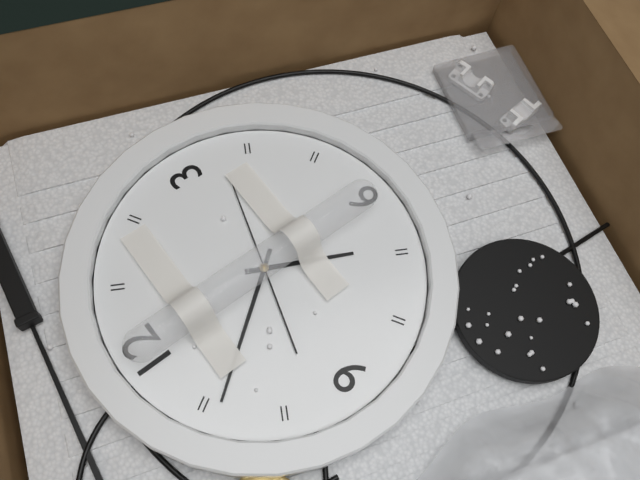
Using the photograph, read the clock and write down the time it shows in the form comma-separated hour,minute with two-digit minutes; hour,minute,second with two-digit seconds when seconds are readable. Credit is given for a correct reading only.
6,54,18
